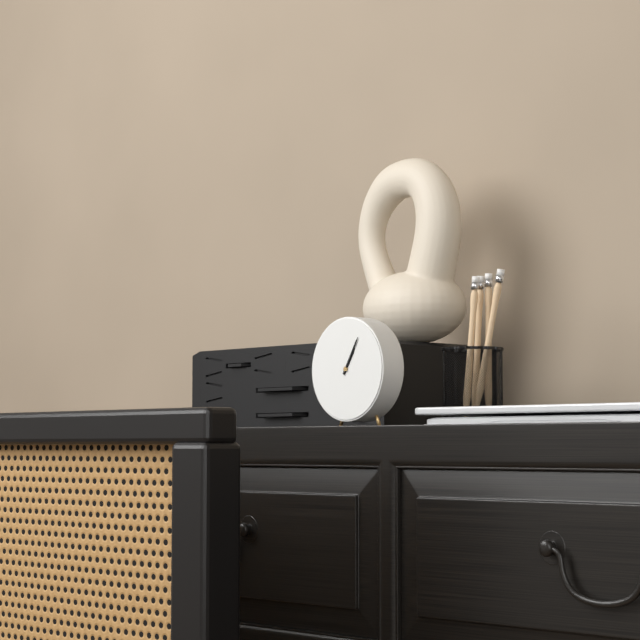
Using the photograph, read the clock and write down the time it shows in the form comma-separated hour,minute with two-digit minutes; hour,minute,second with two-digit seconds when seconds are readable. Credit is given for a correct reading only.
1,05
